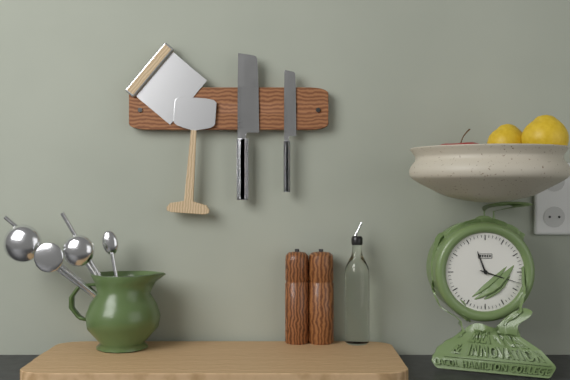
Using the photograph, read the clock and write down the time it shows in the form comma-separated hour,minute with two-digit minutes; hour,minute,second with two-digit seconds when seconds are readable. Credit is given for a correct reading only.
11,18
